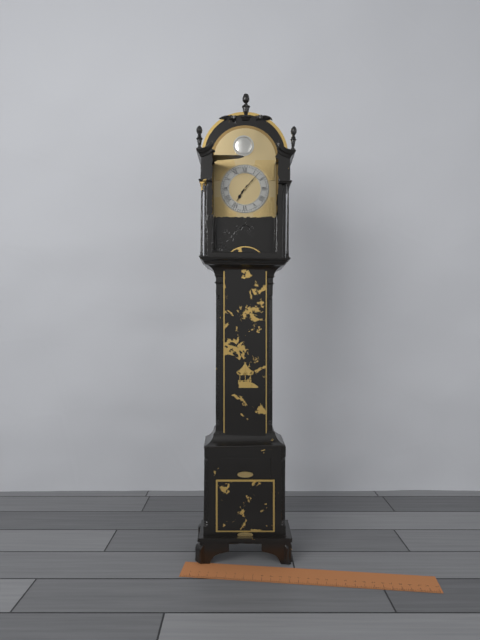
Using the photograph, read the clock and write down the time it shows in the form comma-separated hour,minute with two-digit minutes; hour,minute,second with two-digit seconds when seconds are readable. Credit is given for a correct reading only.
7,07
